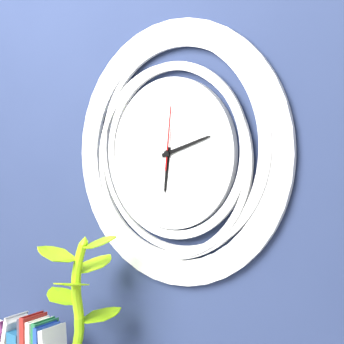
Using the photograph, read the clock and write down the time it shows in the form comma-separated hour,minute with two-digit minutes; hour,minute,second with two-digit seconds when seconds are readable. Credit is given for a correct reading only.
6,12,01
